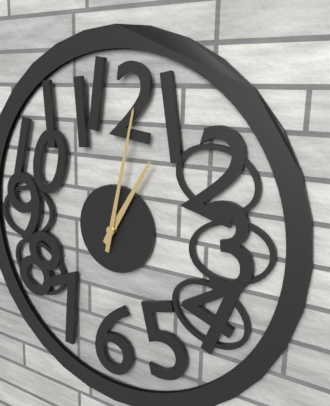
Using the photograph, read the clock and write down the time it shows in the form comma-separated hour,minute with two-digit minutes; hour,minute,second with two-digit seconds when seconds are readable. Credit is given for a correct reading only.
1,02
